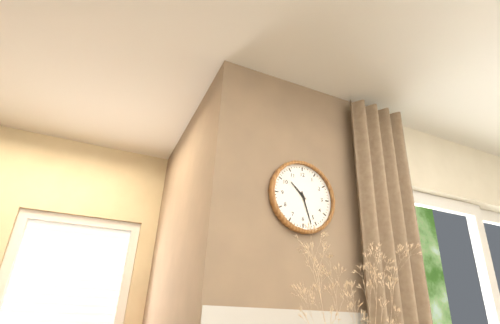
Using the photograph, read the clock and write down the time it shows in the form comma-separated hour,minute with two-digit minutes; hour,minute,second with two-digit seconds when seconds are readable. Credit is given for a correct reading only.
10,27
